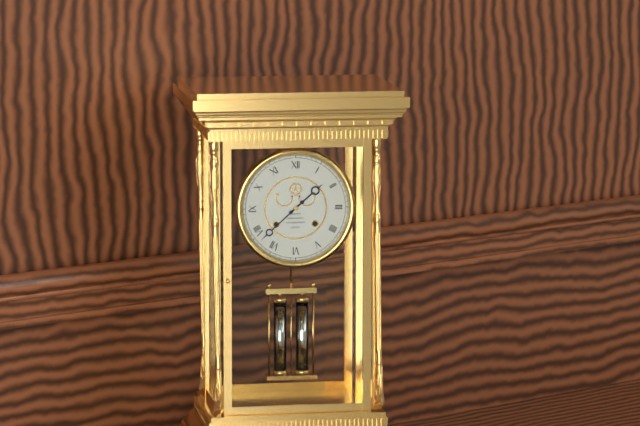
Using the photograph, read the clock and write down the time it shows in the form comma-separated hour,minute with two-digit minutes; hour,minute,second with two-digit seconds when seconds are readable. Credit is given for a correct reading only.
1,38
